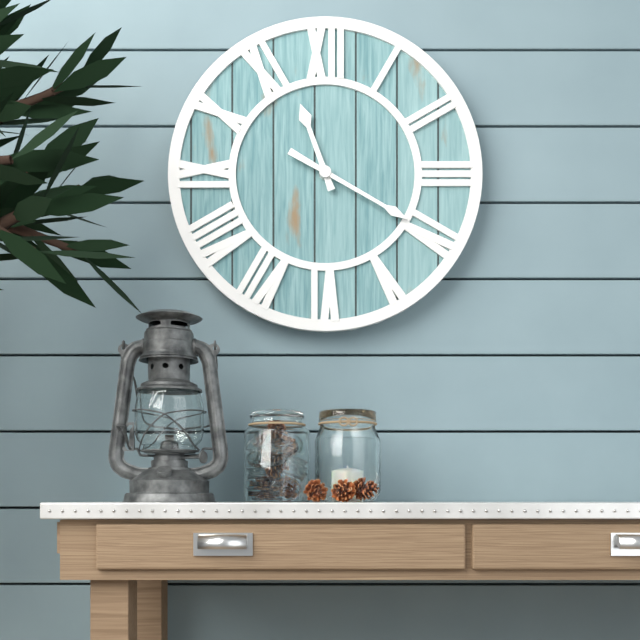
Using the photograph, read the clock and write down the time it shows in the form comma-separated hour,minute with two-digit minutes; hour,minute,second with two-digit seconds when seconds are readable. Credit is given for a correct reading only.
11,20
